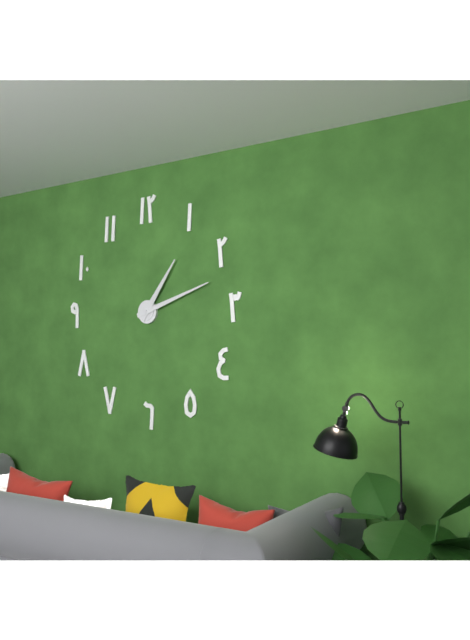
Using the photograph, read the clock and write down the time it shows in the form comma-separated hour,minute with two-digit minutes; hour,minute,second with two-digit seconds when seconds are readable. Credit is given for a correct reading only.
1,12
